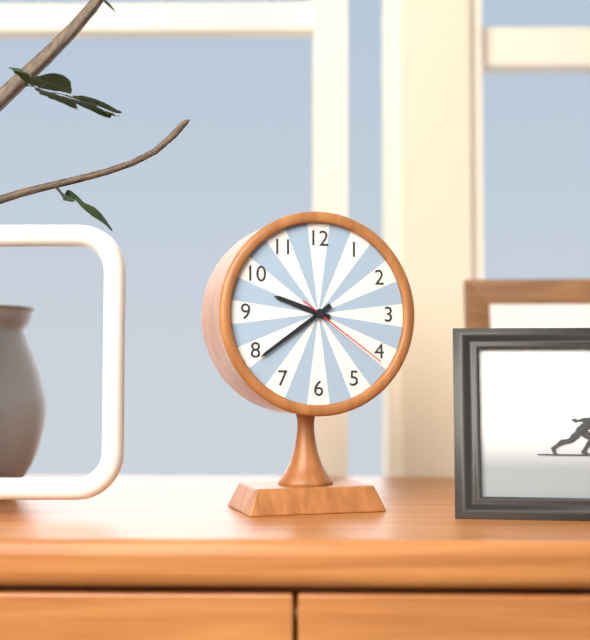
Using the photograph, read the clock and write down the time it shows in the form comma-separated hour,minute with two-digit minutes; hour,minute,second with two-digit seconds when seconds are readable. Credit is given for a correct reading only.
9,39,21
